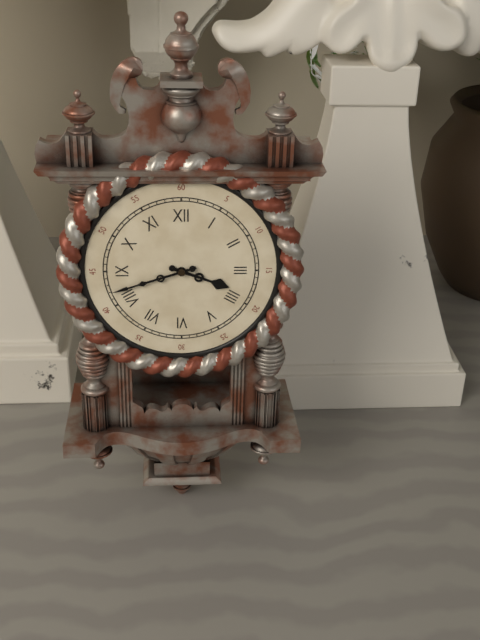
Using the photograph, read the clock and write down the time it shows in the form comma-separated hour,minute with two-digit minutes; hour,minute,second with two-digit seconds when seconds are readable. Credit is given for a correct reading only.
3,42
